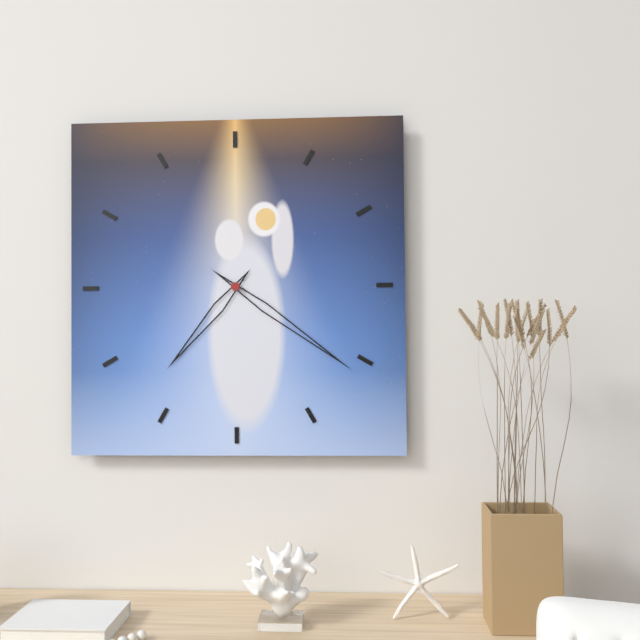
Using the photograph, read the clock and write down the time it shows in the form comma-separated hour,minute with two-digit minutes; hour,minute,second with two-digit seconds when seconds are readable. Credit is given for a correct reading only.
7,21
